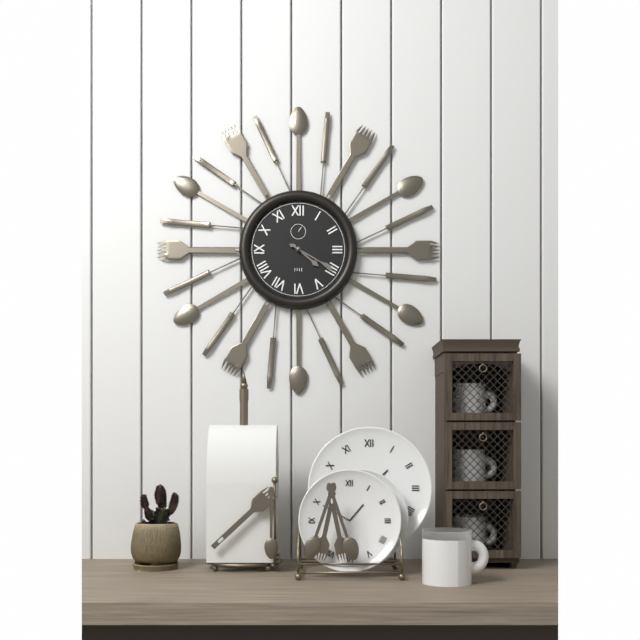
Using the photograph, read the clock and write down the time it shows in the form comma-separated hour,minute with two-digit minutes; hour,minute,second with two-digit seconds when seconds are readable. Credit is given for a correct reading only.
4,20
